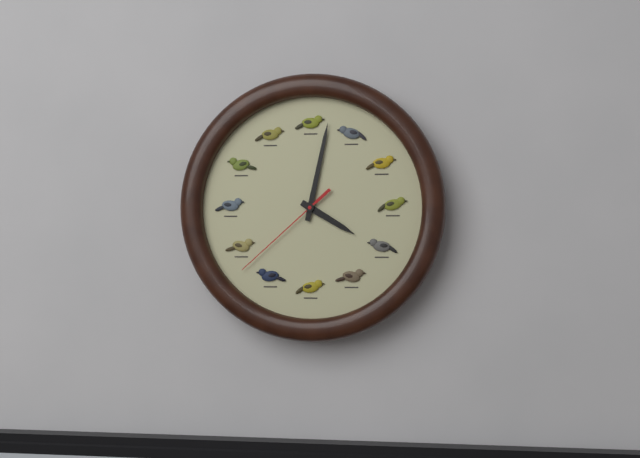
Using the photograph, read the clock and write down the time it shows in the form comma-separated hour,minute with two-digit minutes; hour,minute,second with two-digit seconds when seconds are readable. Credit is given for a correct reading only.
4,02,38
